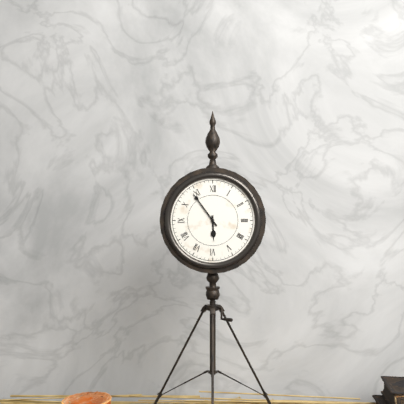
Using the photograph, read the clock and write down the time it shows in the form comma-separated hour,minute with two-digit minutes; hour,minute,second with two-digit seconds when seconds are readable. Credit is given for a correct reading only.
5,54
